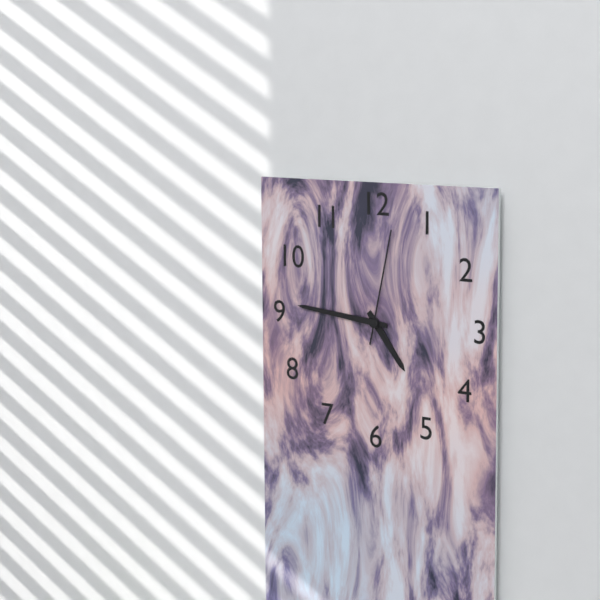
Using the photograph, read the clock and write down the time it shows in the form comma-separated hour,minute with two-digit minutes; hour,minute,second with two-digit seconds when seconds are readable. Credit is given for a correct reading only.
4,46,02
